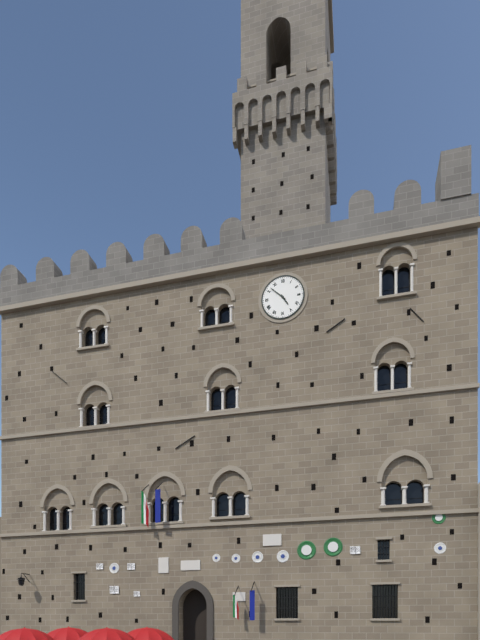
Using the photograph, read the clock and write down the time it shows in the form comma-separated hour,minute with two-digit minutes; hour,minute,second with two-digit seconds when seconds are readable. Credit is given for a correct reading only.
4,52
